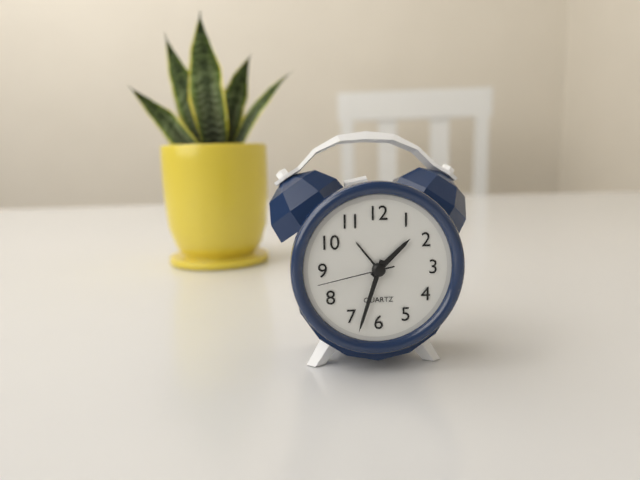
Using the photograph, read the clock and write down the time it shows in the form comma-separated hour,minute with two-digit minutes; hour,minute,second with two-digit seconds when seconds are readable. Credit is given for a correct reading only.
1,33,43
